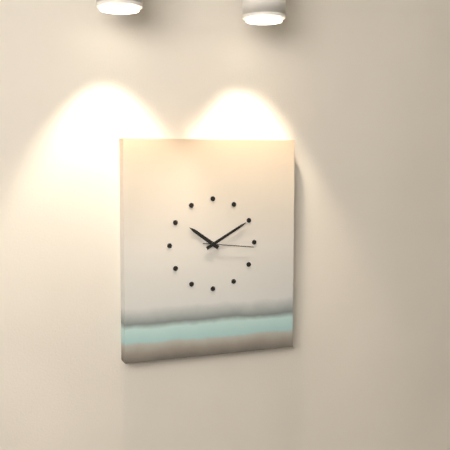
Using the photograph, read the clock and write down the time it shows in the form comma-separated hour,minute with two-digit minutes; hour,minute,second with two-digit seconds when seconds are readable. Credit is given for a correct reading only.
10,10,16
